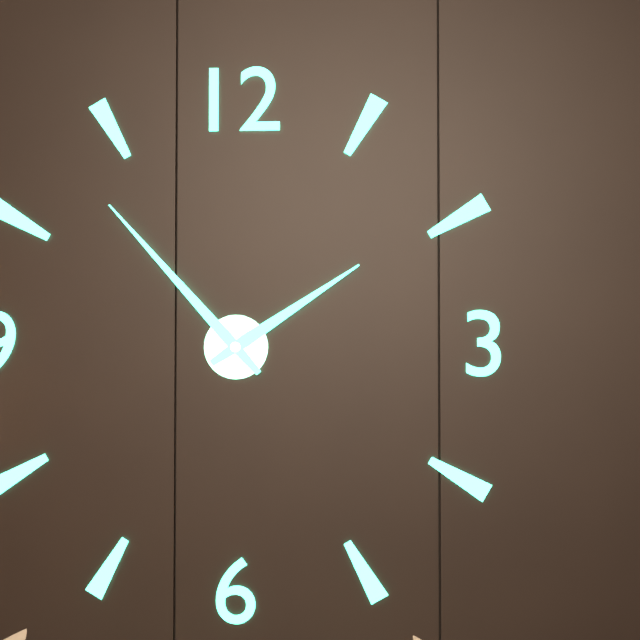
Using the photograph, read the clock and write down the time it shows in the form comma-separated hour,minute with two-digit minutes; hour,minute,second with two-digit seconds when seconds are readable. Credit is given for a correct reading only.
1,53
